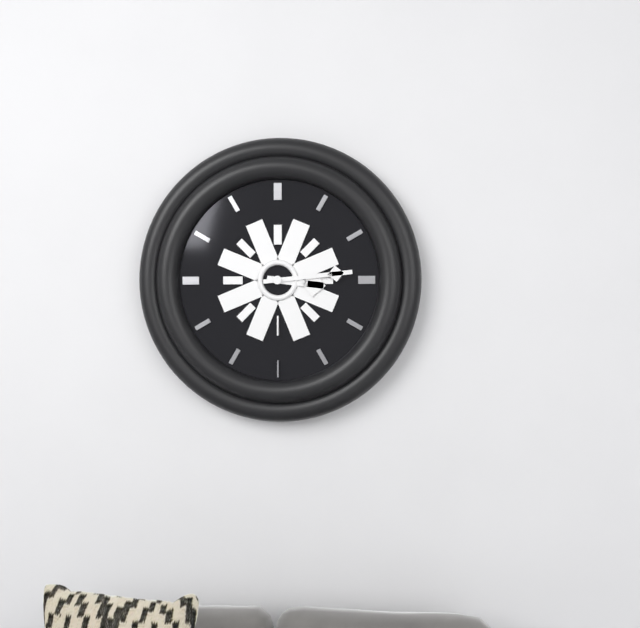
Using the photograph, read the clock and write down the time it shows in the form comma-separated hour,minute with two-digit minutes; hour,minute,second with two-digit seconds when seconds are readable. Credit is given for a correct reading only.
3,14
